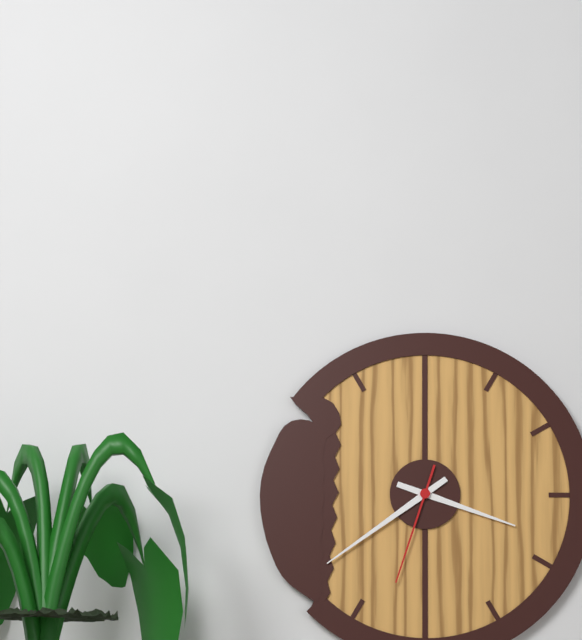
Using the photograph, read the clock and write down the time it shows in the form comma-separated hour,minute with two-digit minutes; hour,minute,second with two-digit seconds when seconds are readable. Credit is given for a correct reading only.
3,39,33
